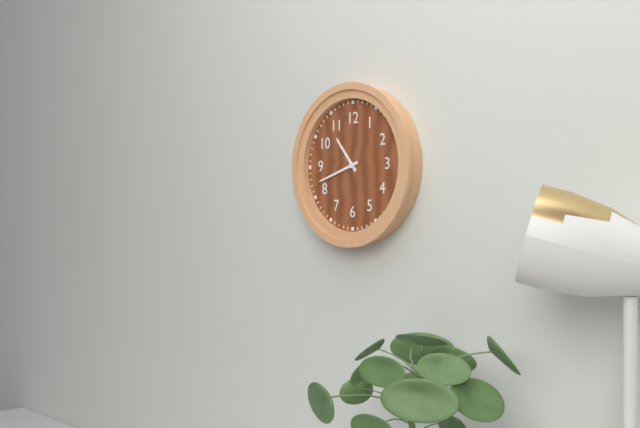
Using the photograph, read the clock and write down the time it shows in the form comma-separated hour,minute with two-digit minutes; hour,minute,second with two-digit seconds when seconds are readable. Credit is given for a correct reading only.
10,42
